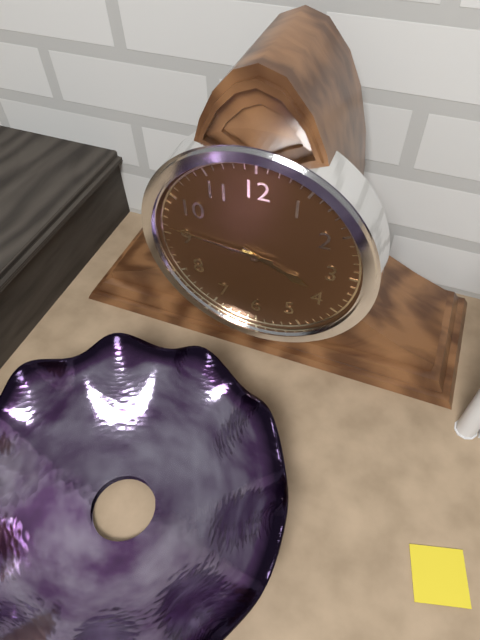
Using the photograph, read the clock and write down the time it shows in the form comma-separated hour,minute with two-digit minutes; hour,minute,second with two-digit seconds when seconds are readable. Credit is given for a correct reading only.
3,46
